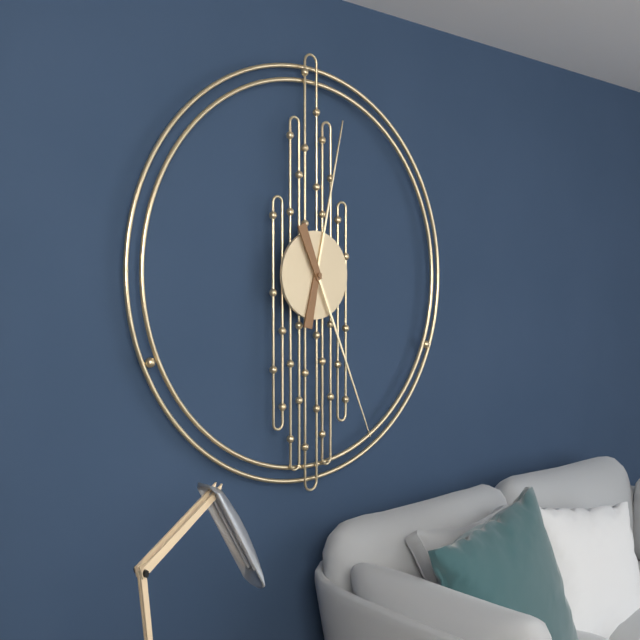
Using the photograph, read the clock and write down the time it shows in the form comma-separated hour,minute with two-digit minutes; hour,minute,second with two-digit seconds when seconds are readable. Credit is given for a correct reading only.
12,26
